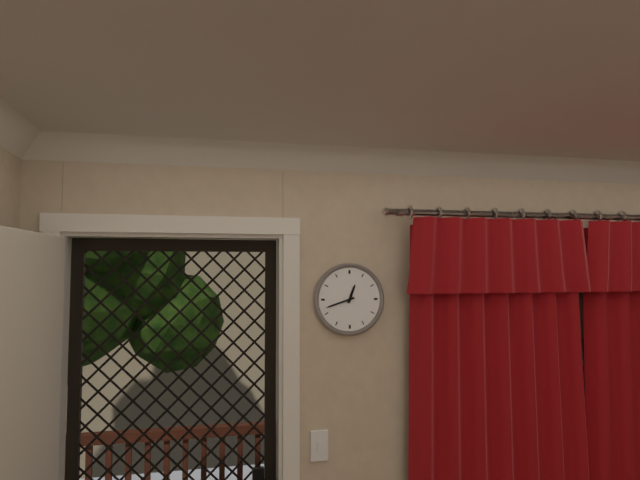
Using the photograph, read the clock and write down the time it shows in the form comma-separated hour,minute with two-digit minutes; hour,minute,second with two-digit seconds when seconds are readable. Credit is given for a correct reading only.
12,42
